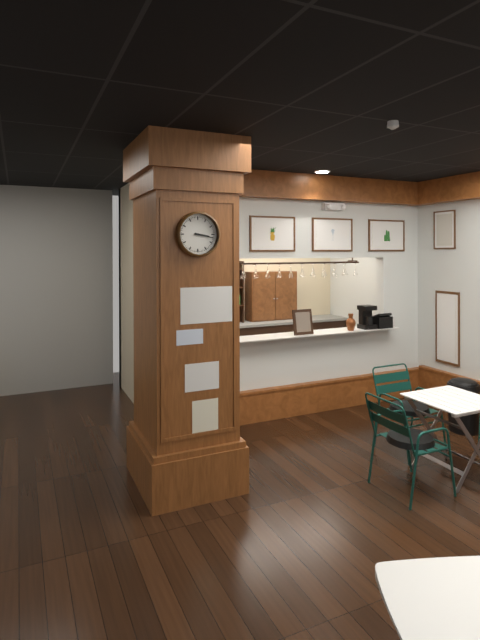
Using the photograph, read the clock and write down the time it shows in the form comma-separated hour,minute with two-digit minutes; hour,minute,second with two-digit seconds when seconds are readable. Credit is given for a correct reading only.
3,17
